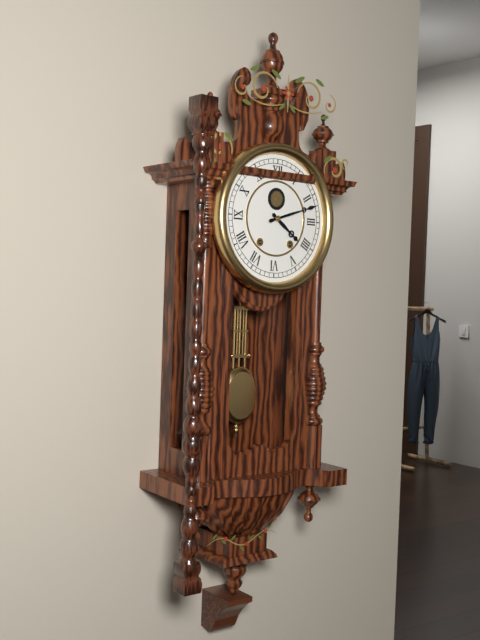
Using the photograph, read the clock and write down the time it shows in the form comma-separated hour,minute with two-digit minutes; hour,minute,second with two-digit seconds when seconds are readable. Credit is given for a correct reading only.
4,12
